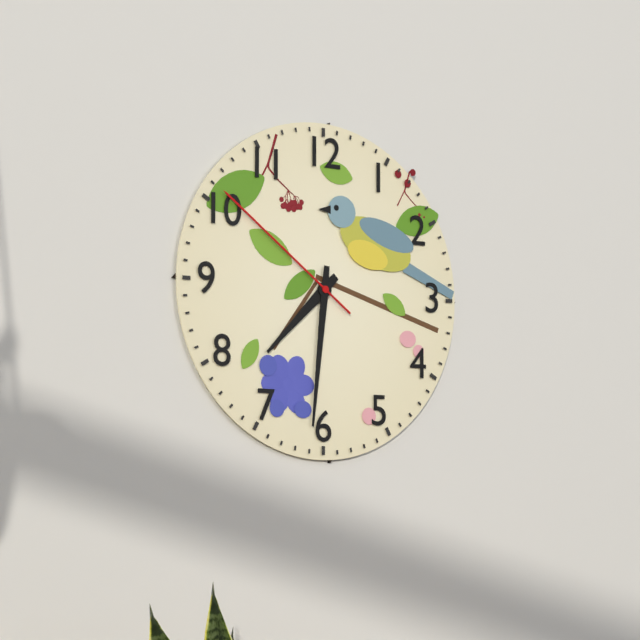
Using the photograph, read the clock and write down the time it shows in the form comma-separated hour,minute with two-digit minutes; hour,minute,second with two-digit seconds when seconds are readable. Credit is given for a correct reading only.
7,31,51
